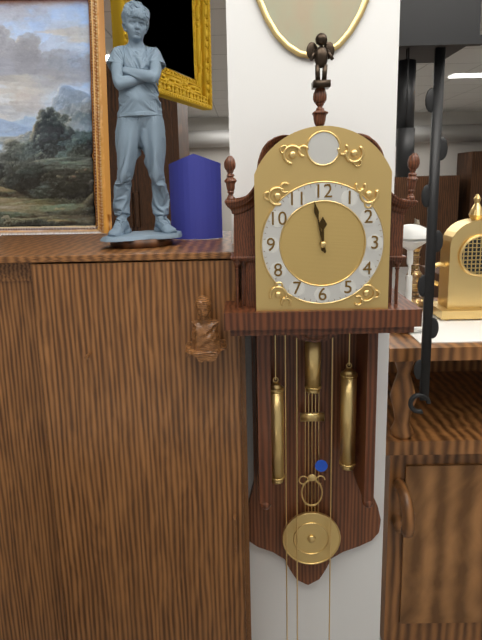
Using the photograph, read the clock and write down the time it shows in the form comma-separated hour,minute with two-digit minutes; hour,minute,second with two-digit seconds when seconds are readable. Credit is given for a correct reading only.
11,58
